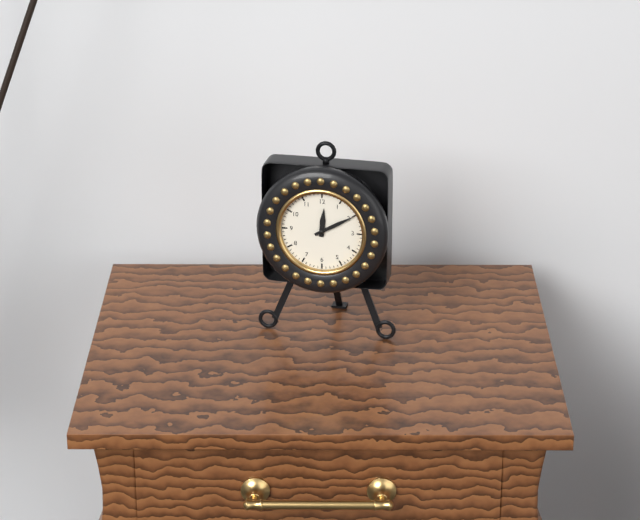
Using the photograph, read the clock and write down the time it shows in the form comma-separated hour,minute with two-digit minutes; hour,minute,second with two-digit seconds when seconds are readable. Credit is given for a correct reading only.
12,10
